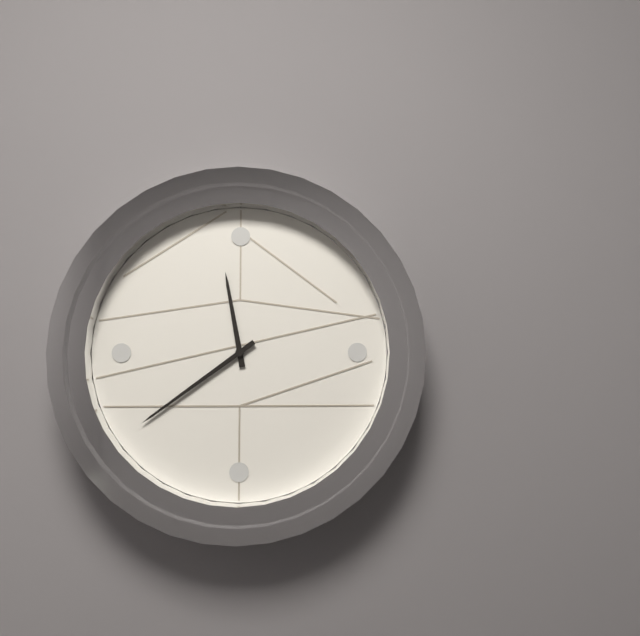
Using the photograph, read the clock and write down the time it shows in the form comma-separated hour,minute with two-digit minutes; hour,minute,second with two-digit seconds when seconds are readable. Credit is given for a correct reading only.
11,39
